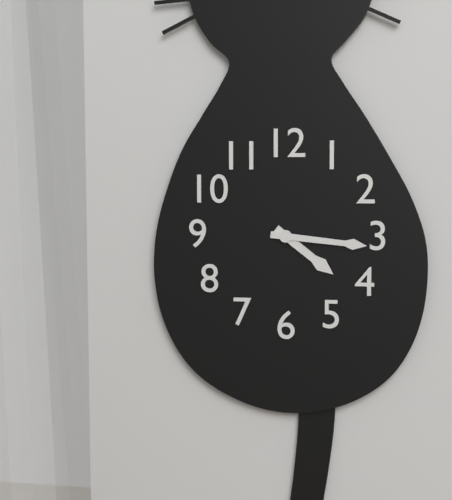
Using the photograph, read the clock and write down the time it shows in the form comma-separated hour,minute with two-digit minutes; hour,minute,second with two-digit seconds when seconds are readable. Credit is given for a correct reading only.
4,16
